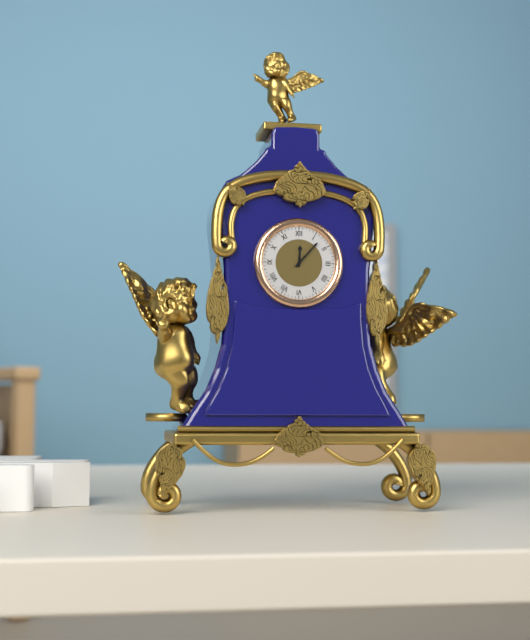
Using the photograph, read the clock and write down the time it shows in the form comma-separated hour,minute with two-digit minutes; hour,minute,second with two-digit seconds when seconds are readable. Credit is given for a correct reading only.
12,07
